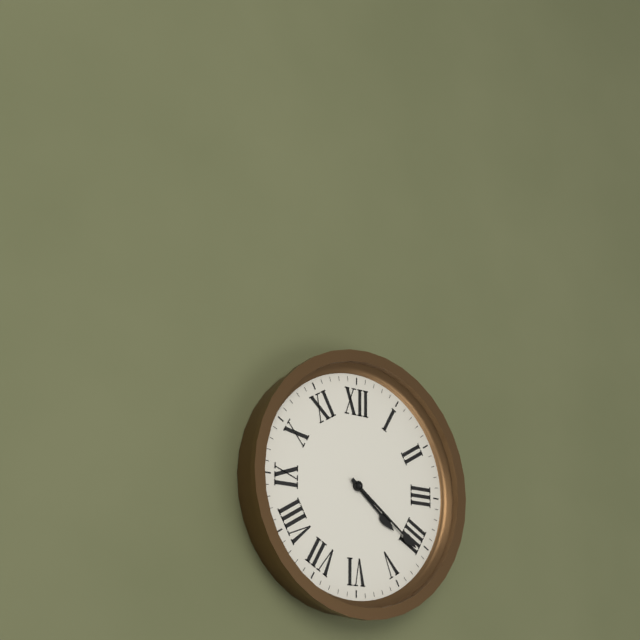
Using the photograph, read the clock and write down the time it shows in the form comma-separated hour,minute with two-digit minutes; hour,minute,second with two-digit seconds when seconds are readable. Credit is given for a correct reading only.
4,21
